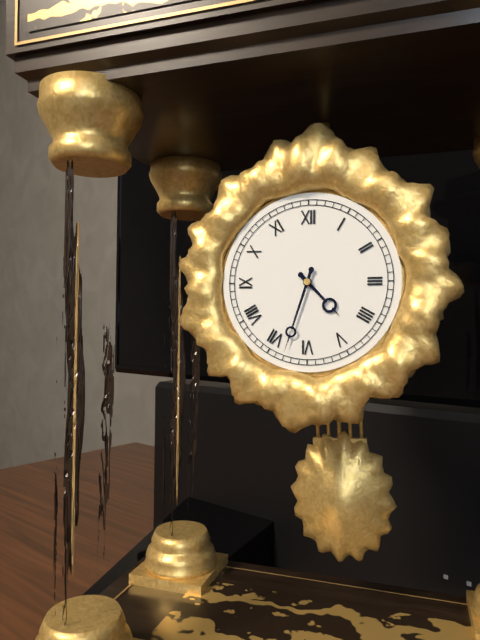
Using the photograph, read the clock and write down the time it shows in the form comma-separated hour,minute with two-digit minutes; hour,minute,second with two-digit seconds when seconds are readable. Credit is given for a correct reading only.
4,33
